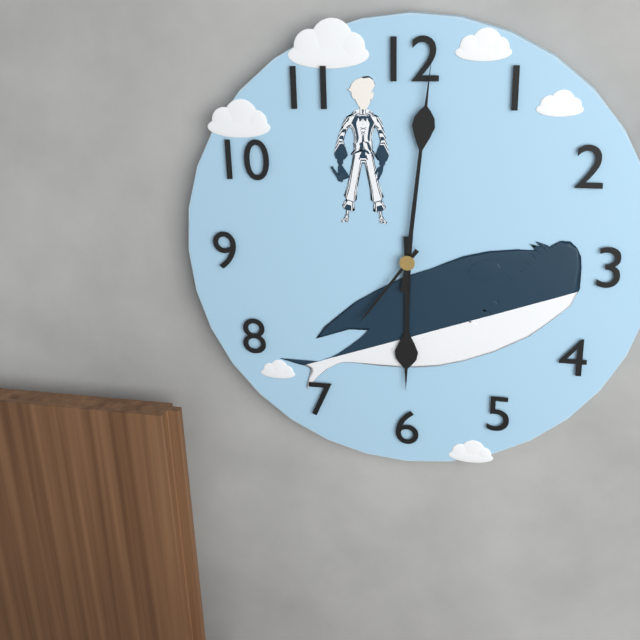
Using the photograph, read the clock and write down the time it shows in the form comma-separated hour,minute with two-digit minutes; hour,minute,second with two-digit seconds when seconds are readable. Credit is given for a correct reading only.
6,01,36
